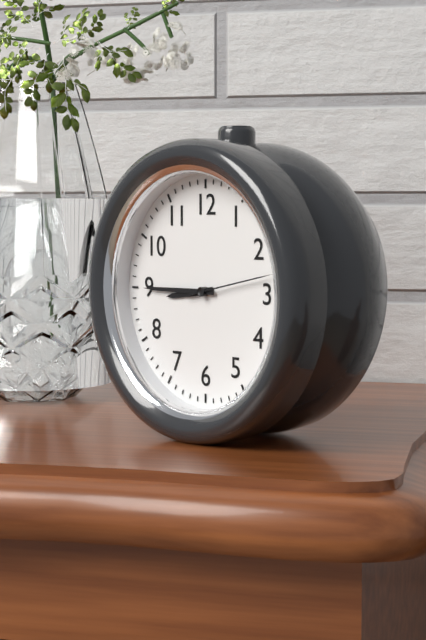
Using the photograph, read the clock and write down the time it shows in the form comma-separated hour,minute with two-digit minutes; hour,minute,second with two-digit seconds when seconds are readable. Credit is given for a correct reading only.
8,45,13
